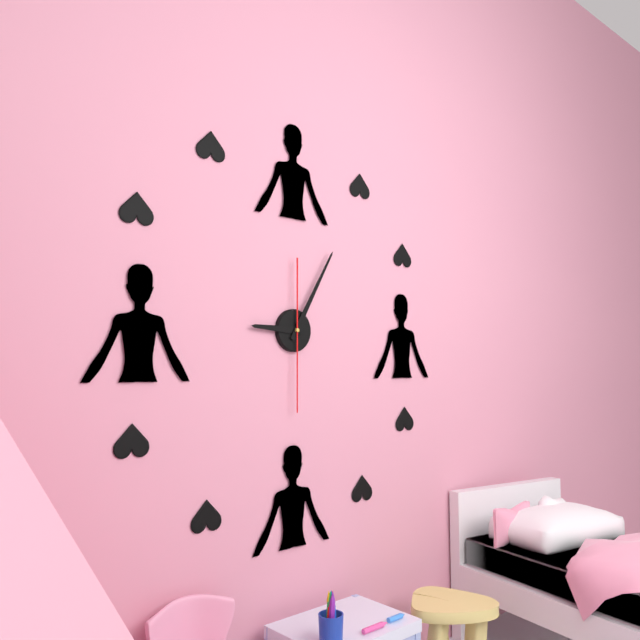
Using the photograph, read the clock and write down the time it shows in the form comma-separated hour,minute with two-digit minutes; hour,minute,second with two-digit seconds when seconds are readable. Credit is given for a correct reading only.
9,05,30
